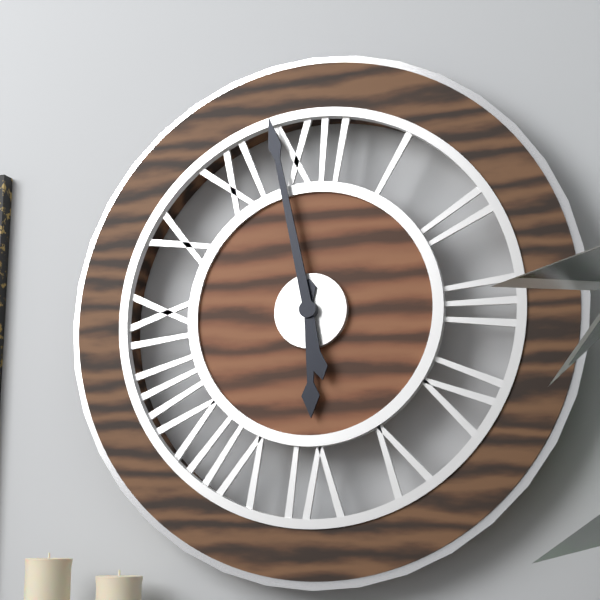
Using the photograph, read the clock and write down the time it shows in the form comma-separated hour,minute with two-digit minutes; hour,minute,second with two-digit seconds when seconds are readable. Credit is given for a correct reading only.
5,58
